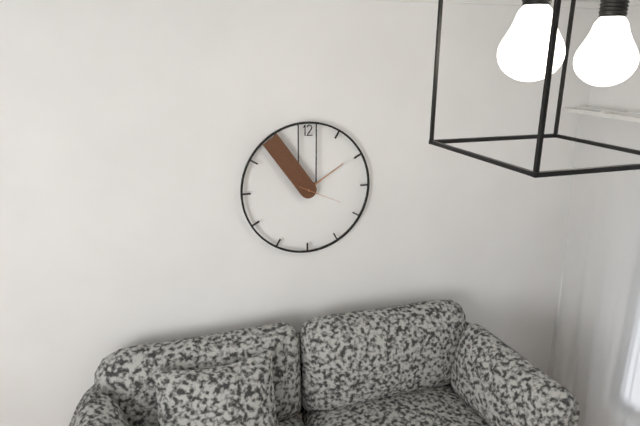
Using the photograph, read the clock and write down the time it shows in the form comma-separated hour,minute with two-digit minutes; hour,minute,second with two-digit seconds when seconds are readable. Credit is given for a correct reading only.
1,54
